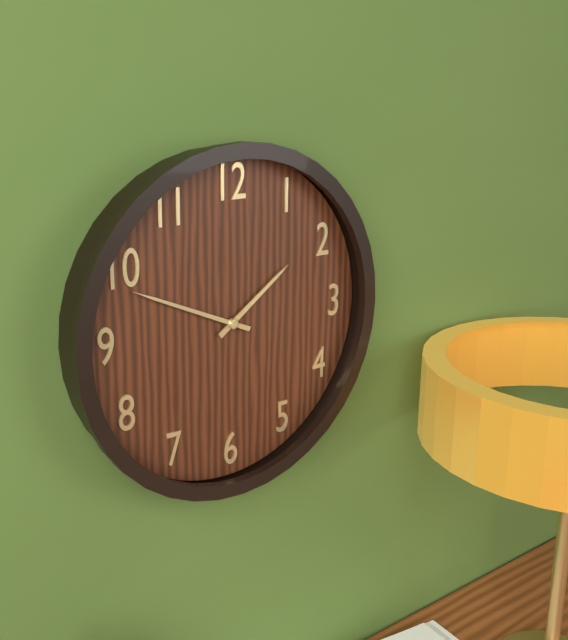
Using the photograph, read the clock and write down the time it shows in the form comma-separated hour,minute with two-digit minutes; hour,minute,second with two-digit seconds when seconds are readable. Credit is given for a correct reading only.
1,49
